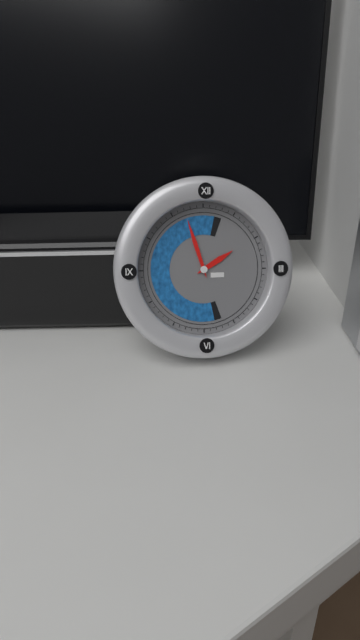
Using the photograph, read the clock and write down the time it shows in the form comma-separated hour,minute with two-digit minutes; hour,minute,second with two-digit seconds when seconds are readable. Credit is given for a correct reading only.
1,57
